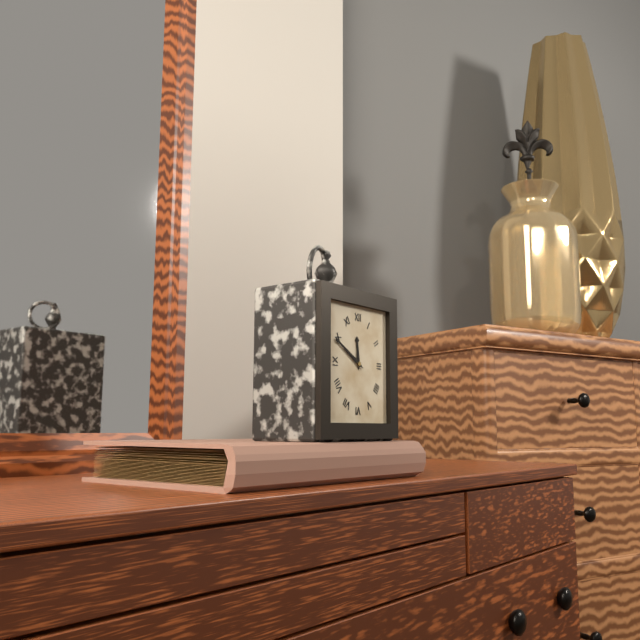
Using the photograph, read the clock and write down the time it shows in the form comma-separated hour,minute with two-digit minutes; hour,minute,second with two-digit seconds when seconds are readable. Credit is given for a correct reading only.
11,50
